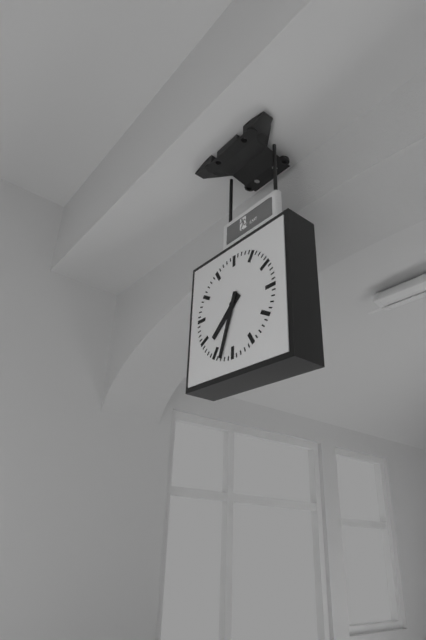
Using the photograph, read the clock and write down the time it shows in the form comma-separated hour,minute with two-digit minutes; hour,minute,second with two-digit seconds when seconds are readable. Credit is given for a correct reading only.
7,33
